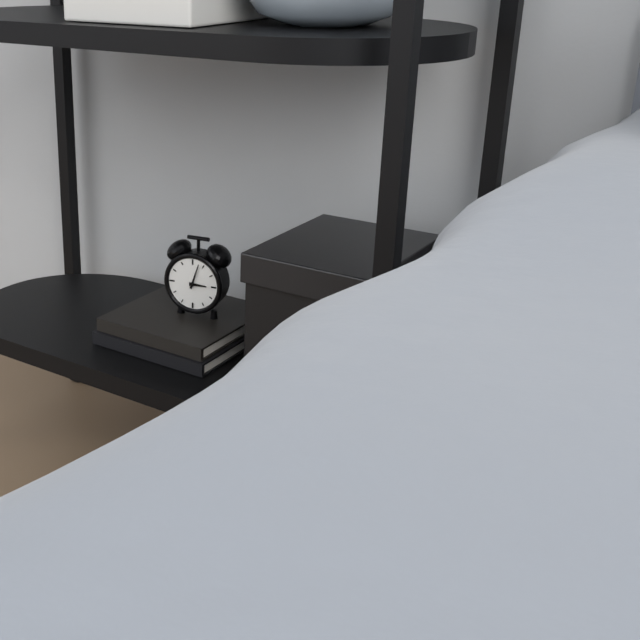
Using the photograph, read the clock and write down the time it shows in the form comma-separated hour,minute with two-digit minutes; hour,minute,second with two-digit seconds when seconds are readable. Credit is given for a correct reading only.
3,03
